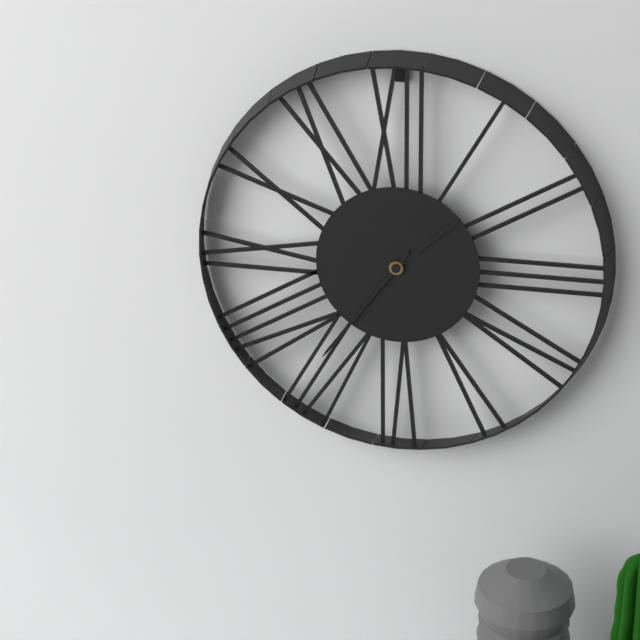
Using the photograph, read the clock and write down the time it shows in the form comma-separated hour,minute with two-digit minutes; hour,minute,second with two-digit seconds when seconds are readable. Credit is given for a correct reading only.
1,36
